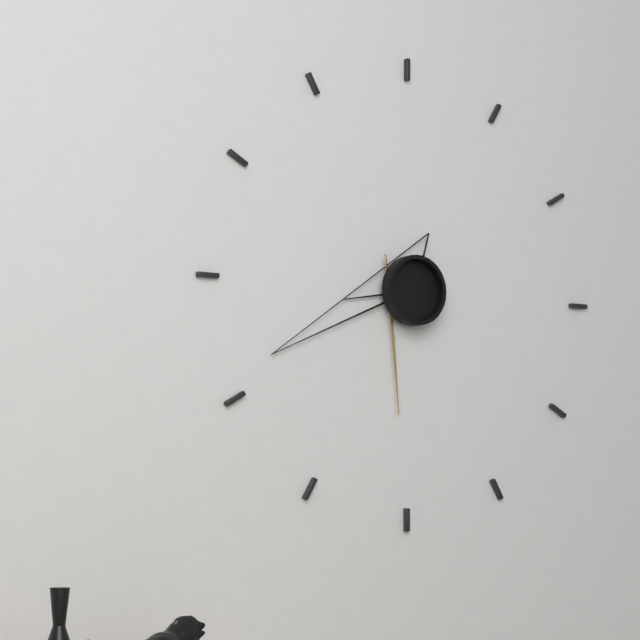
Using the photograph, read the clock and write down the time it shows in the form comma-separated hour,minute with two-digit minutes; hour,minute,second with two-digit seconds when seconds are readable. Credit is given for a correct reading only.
8,41,31
